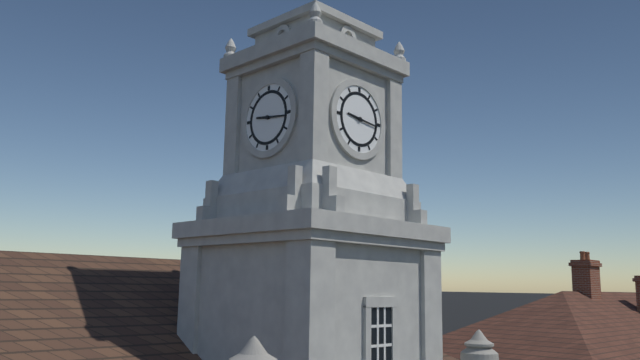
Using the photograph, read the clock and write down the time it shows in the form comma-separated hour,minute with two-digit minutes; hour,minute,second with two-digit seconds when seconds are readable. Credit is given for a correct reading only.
9,16
